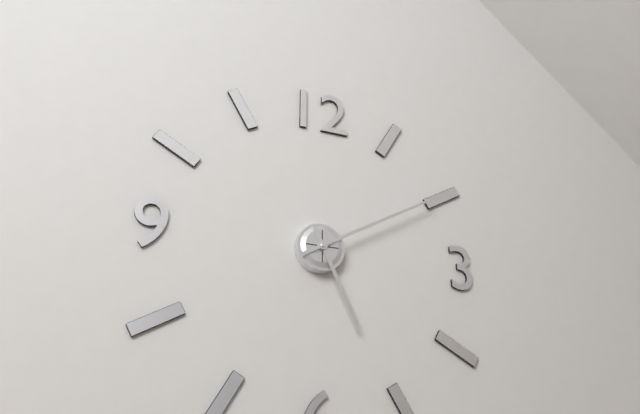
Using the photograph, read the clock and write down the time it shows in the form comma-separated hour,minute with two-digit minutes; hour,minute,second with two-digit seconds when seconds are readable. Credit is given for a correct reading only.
5,10
